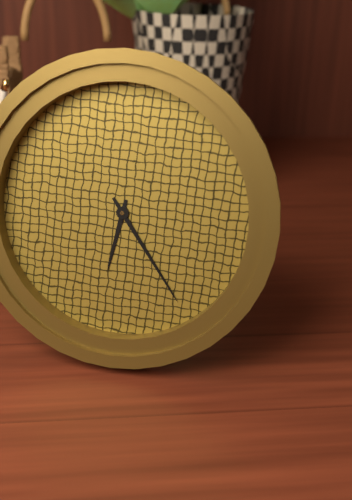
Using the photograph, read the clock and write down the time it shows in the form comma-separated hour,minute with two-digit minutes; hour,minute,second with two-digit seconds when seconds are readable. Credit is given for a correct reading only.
6,24
